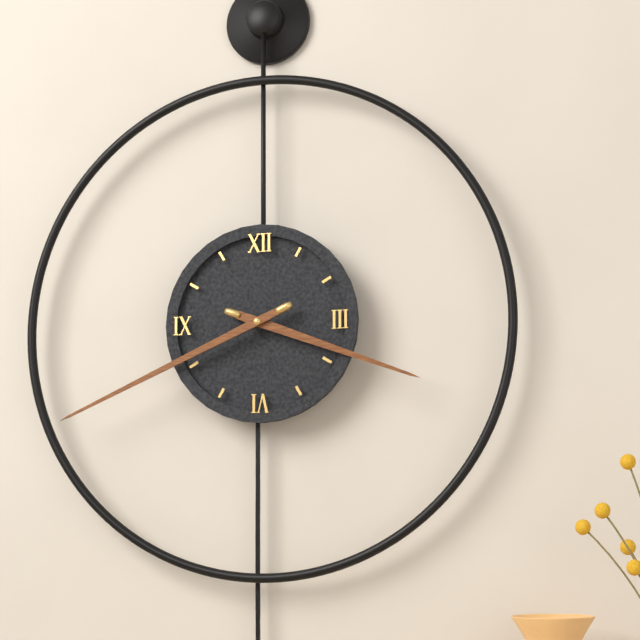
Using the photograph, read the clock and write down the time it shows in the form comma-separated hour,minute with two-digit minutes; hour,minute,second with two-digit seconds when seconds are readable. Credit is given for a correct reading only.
3,41
